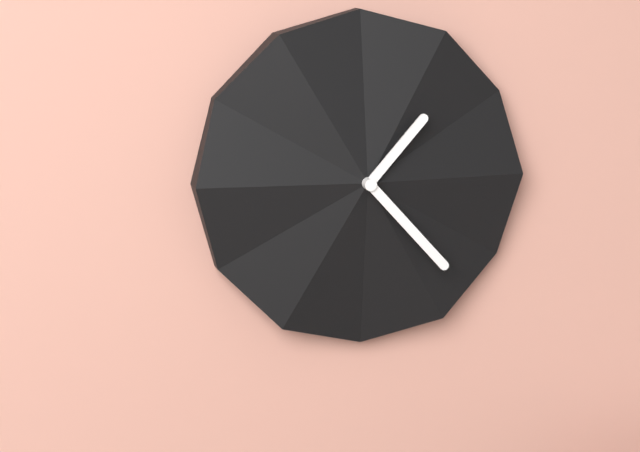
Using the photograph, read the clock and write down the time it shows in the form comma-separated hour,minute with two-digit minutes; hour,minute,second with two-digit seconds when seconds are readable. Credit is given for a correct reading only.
1,23
